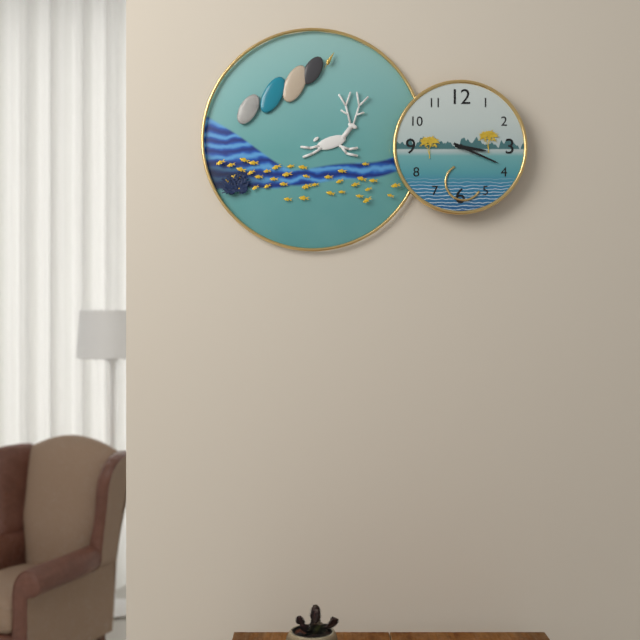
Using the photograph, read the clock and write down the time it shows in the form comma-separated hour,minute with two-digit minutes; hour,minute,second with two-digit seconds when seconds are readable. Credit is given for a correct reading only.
3,19
